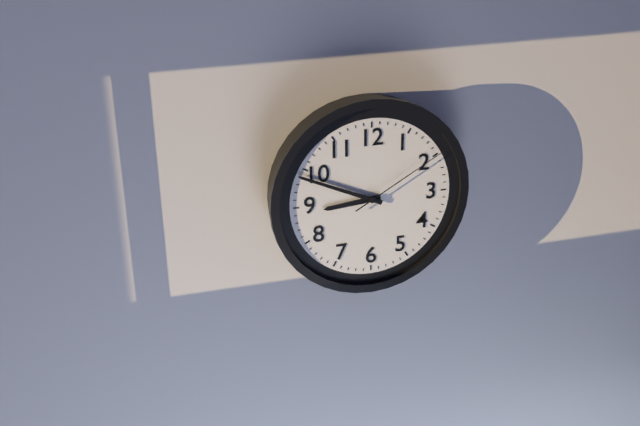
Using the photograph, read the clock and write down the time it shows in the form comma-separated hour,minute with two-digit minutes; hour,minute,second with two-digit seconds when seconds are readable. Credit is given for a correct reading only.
8,49,10
